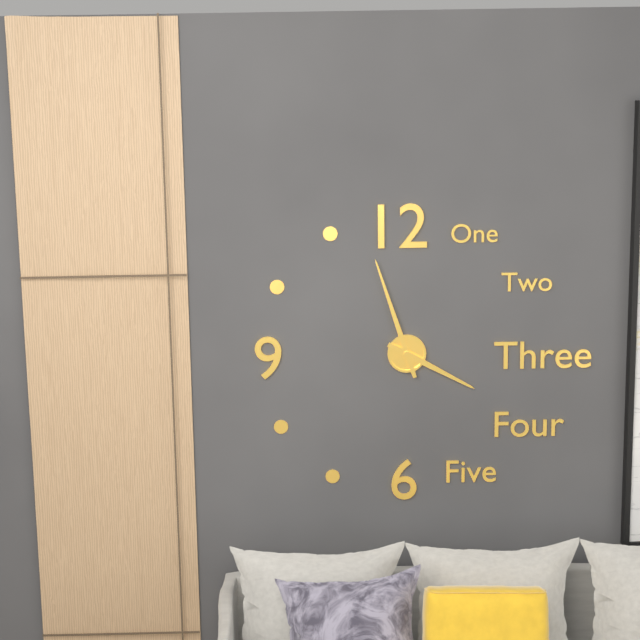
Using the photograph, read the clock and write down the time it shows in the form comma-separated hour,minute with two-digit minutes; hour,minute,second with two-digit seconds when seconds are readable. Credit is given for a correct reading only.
3,57
